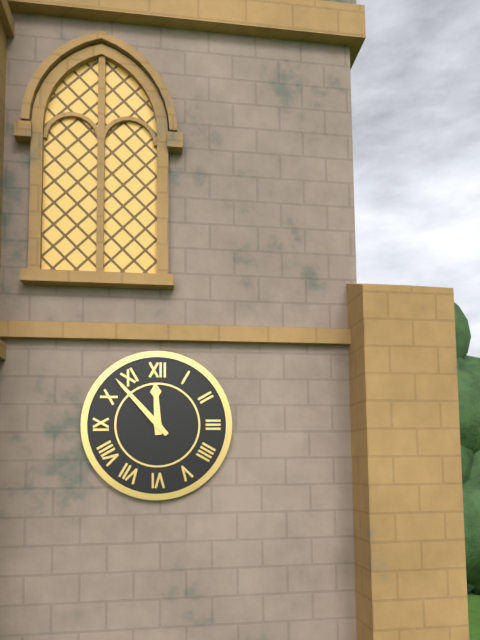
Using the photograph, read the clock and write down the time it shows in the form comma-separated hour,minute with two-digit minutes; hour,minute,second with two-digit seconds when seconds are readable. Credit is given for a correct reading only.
11,53
